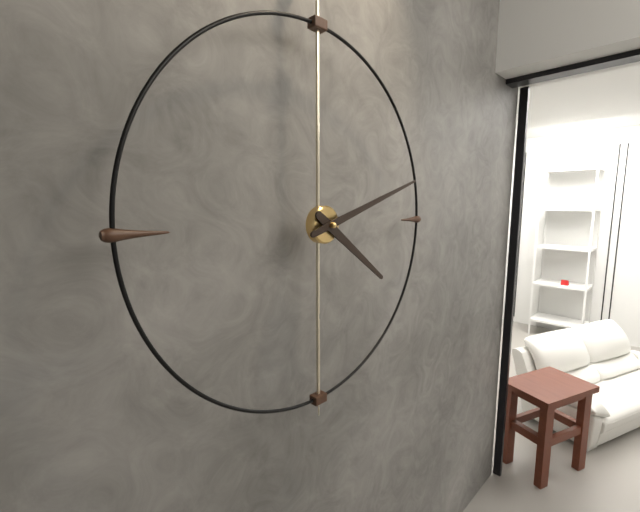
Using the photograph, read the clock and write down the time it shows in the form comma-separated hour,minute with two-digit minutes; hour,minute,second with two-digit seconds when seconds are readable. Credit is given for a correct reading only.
4,12
